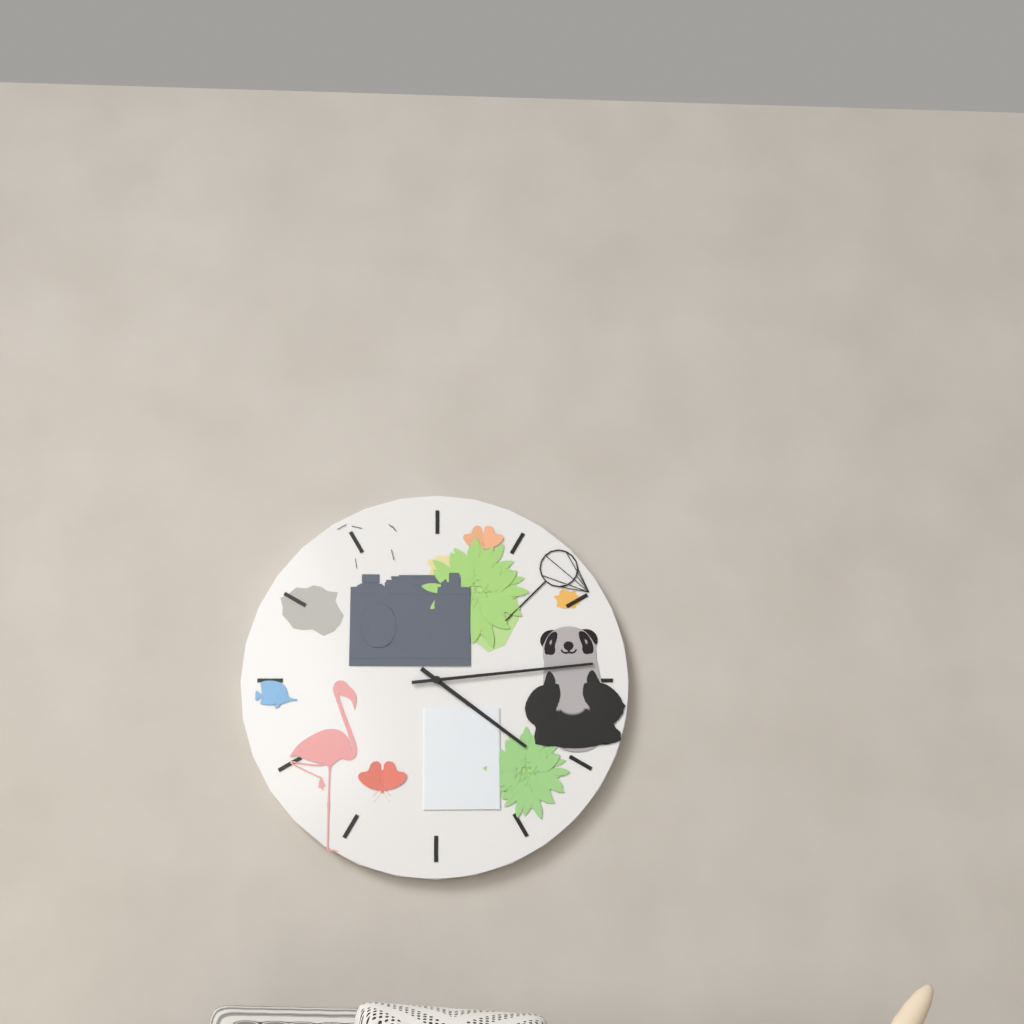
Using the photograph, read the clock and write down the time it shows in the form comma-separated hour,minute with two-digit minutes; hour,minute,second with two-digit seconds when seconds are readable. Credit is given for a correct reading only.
4,14
